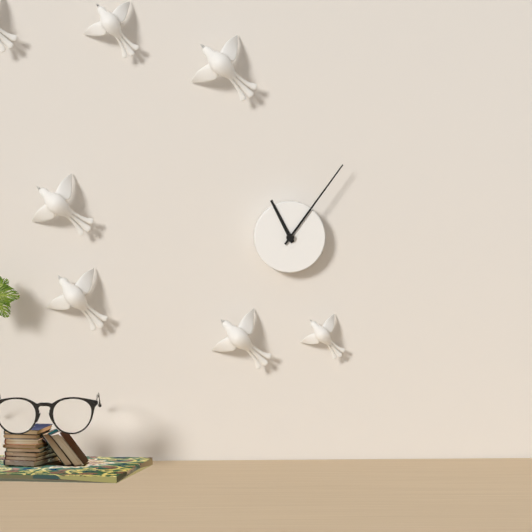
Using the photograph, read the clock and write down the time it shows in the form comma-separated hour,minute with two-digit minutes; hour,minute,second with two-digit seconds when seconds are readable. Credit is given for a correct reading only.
11,06
